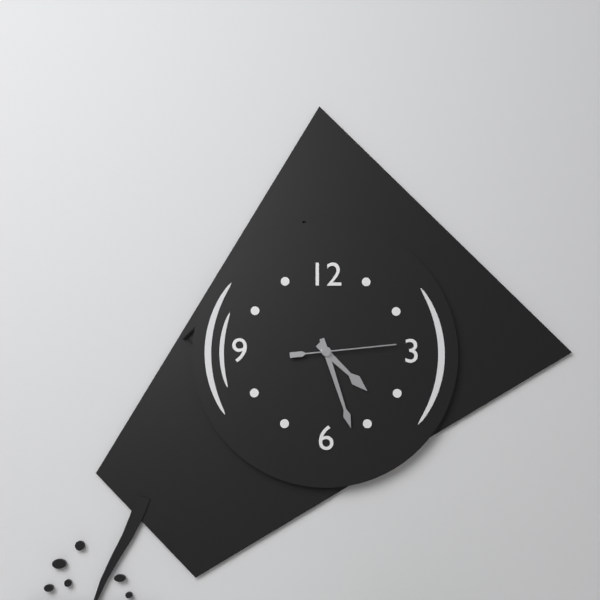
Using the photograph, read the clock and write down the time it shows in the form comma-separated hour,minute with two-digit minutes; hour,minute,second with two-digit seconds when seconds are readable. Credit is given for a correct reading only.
4,27,14
